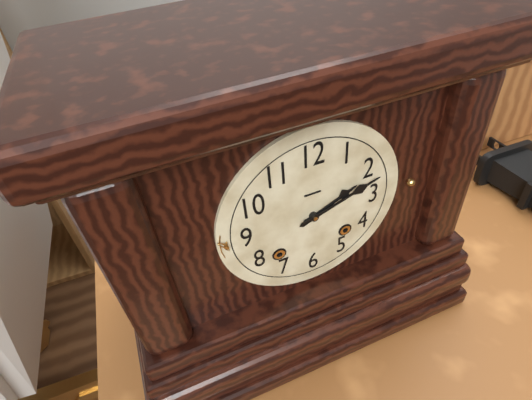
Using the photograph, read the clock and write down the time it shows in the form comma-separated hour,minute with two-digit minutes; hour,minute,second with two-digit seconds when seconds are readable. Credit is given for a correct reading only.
2,12
